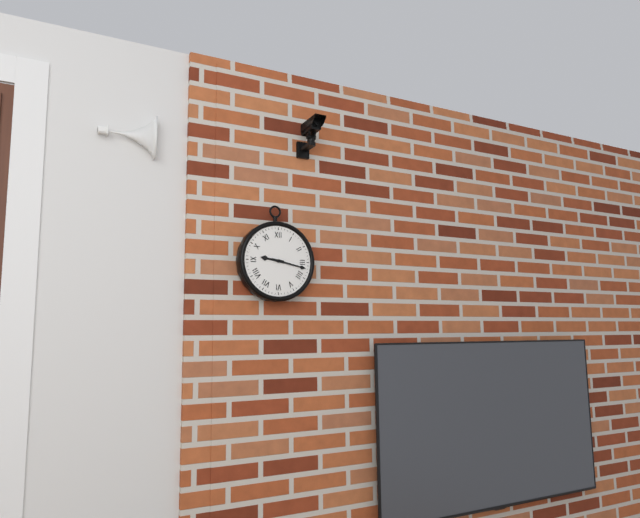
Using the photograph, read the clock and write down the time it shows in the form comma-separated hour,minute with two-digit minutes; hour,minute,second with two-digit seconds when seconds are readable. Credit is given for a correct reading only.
9,17
